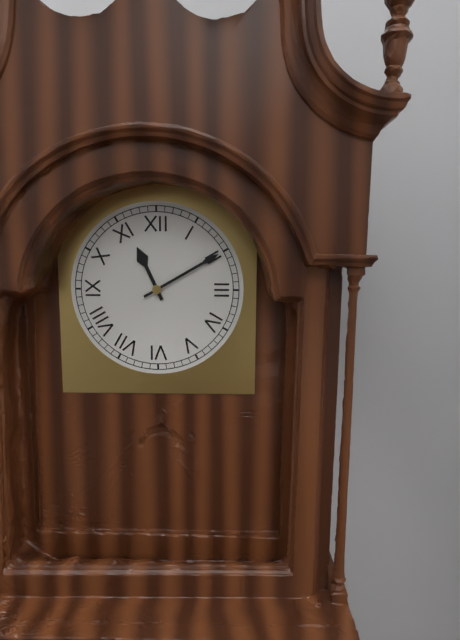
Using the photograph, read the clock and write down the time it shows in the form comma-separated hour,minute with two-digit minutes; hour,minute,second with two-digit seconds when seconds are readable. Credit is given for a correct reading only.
11,10
